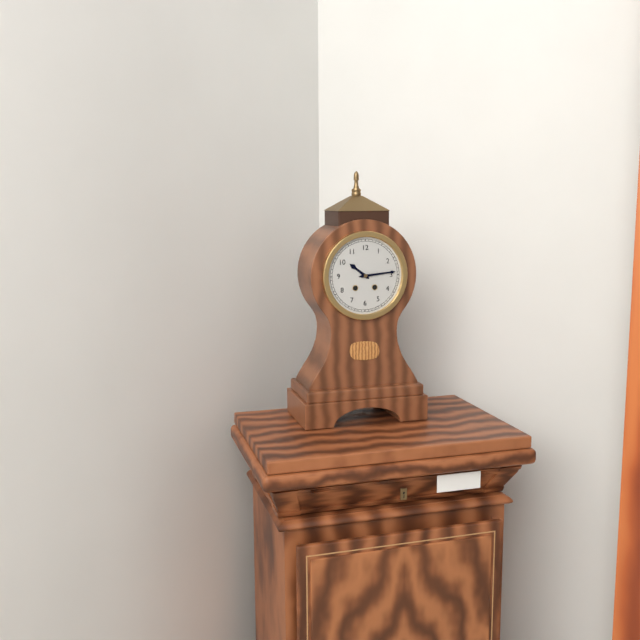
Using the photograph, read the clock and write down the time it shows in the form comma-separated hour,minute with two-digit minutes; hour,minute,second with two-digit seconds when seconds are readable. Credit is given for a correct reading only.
10,14
